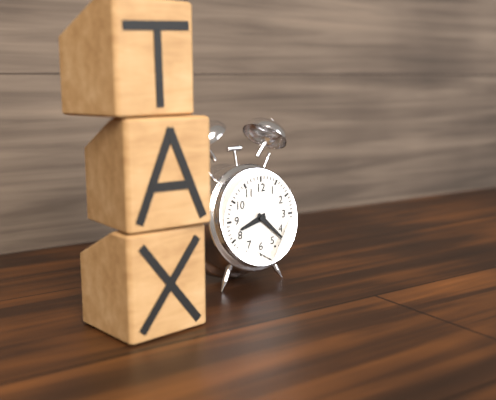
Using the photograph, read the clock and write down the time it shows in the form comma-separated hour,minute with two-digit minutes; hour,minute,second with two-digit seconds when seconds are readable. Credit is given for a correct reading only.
8,22
